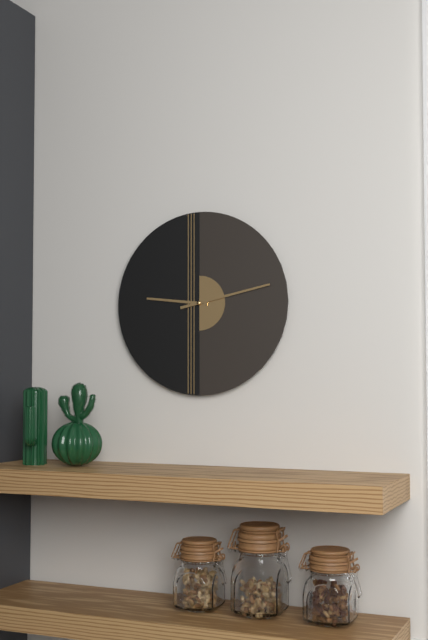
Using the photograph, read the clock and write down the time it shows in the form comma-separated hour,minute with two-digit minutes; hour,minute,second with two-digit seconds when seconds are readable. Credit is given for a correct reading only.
9,13
